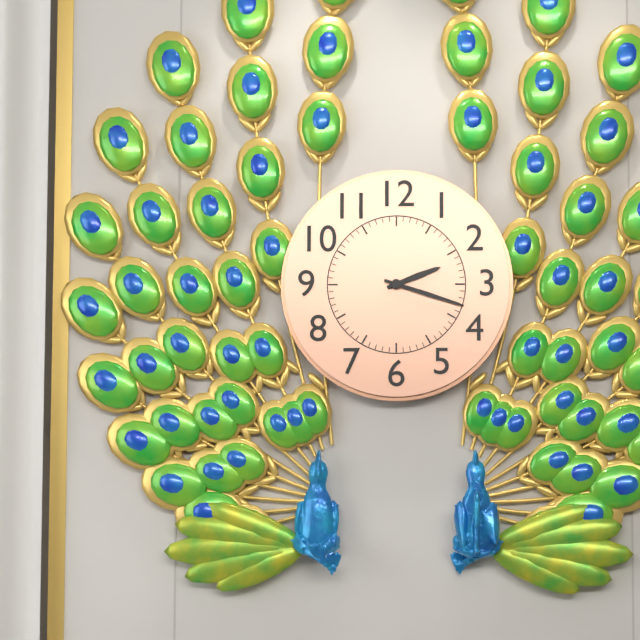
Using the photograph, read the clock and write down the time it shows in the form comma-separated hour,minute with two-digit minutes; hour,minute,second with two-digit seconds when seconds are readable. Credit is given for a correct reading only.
2,18
